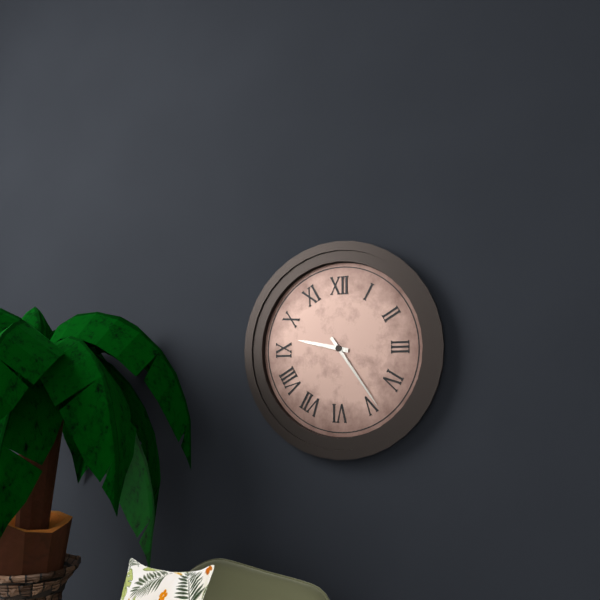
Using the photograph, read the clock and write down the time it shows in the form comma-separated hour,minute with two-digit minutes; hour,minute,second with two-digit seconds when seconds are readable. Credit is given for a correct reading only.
9,24
